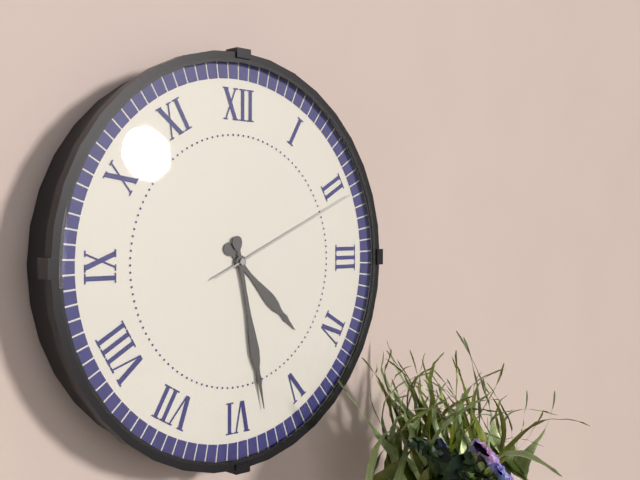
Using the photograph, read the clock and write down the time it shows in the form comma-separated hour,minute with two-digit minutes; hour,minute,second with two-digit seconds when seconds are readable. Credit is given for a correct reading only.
4,28,11
